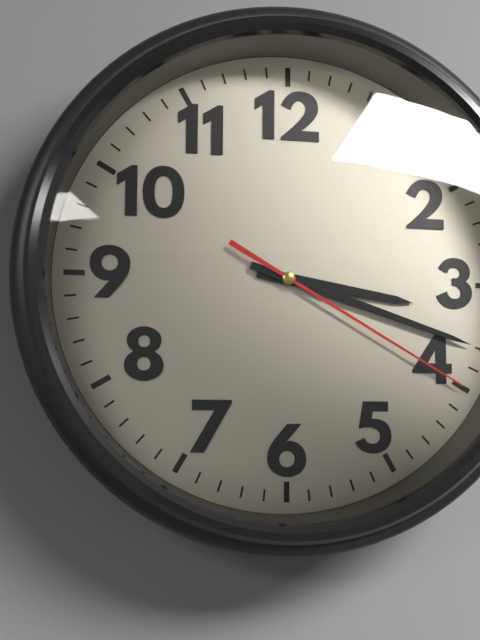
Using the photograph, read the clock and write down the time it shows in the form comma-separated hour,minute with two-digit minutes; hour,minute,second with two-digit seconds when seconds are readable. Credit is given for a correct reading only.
3,18,20
